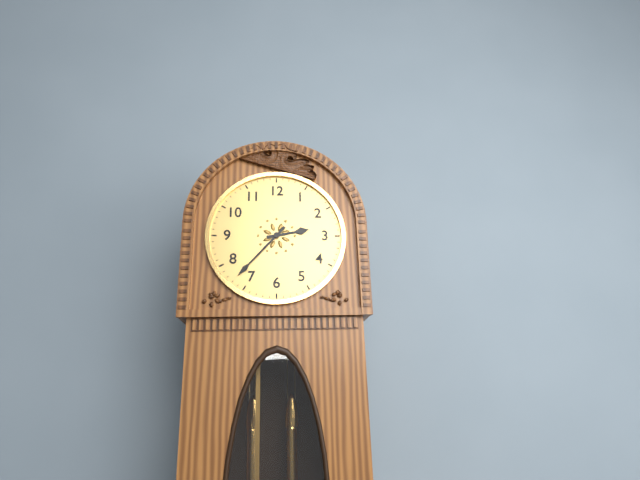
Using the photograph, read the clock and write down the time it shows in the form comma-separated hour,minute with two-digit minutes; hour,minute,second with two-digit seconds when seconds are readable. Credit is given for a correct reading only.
2,37
